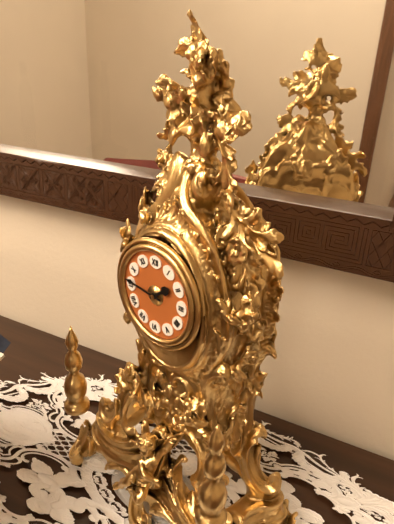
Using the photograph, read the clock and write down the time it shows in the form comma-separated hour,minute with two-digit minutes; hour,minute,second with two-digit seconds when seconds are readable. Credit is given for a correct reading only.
1,46
